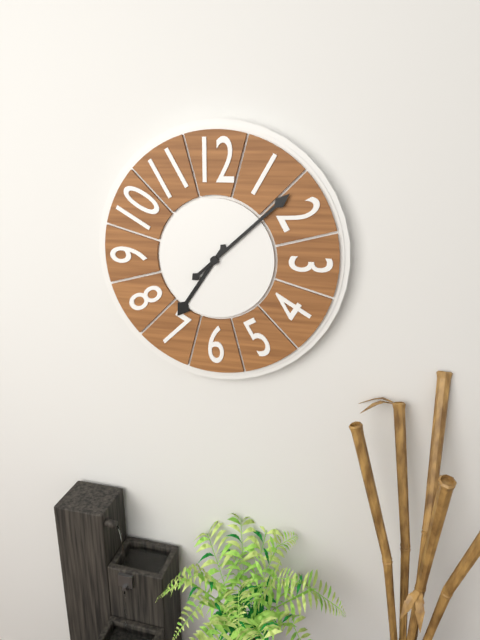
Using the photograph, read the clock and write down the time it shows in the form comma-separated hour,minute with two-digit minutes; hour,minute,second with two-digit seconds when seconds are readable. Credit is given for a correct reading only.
7,08
